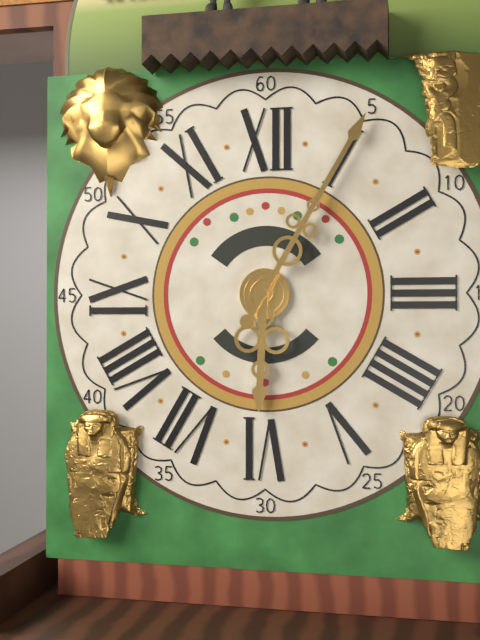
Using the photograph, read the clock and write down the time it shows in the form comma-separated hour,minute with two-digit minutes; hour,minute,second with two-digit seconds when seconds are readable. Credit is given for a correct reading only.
6,05
